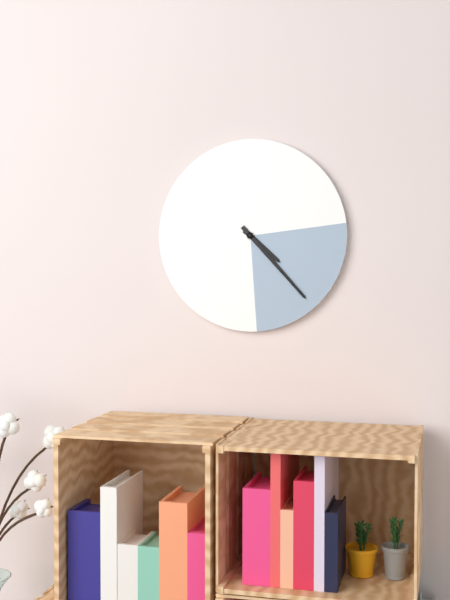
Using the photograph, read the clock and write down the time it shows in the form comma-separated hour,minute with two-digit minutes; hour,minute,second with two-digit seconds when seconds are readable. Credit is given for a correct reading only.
4,23
